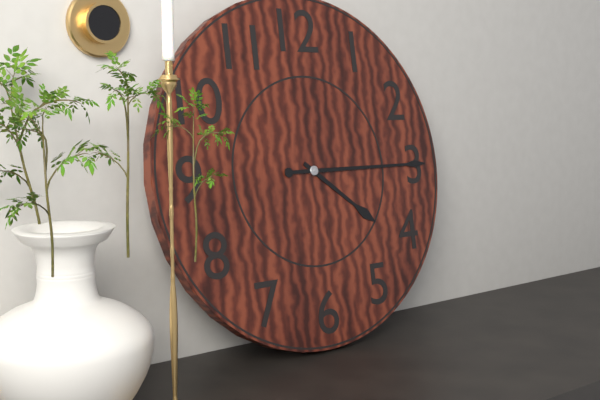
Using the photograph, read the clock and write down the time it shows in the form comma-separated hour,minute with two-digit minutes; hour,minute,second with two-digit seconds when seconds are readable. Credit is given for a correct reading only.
4,15
